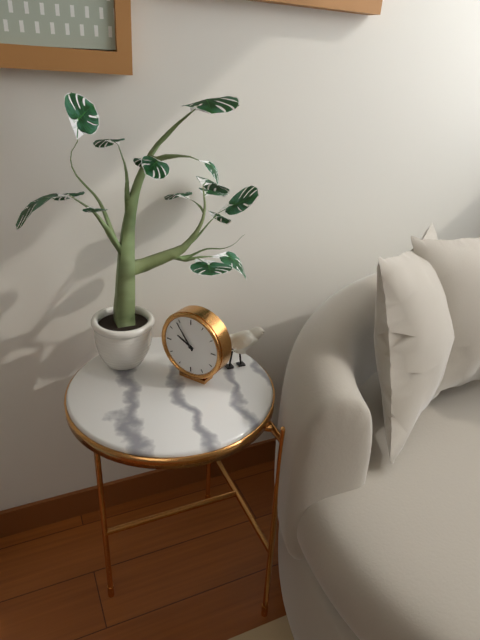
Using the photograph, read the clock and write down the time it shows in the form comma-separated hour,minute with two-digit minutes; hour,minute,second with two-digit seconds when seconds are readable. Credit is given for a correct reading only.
9,54
